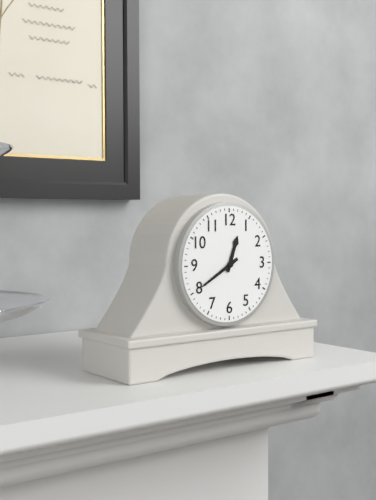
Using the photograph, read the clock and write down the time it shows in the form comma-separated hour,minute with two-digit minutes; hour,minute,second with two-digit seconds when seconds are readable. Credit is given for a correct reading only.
12,40
